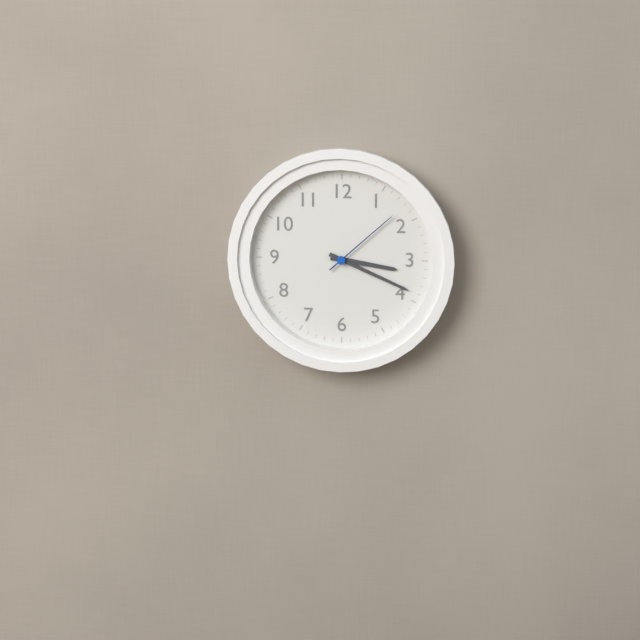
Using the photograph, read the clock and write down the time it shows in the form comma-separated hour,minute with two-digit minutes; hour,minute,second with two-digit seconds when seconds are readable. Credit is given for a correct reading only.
3,19,08
